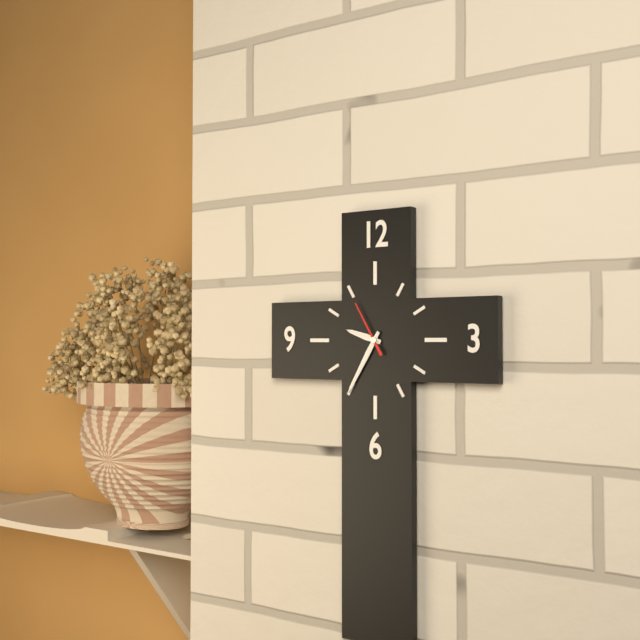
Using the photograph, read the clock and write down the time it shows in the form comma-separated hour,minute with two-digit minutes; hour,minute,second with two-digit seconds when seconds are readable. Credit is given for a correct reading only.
9,35,55
